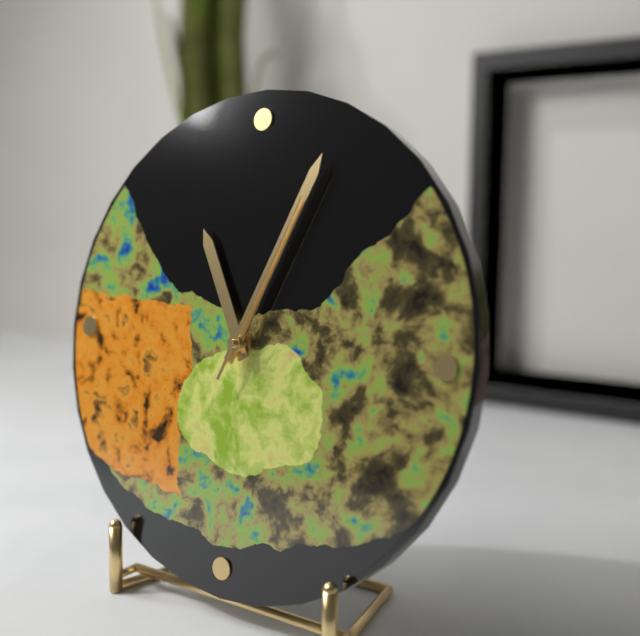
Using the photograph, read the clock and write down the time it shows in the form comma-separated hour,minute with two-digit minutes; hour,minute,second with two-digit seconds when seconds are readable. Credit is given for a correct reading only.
11,04,04
